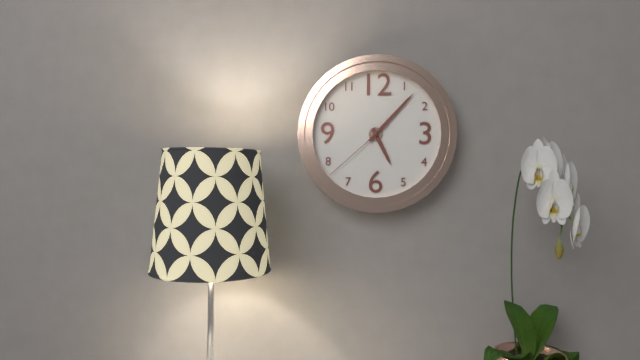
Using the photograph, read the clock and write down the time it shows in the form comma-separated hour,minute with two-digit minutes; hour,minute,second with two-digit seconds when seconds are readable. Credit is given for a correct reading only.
5,07,38
